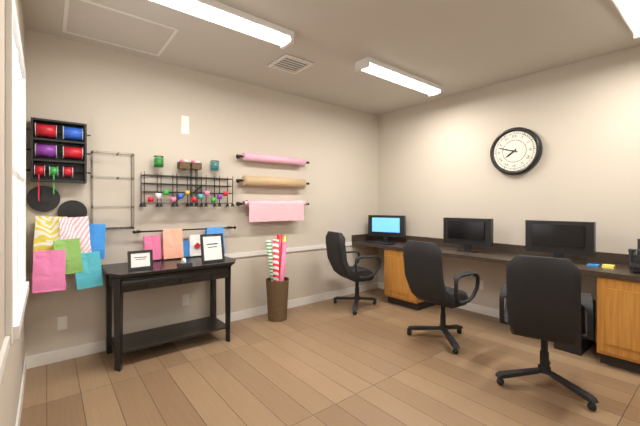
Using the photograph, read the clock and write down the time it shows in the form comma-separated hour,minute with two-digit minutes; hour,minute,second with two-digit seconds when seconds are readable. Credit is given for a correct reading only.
7,48
